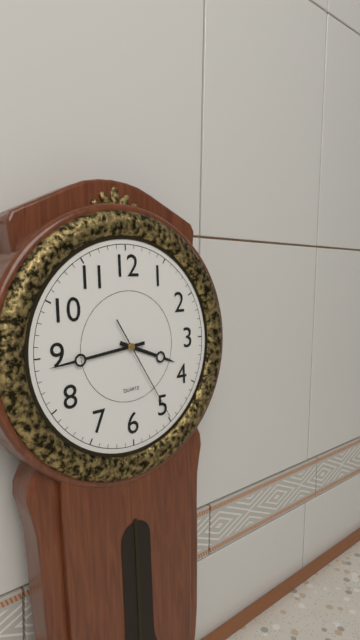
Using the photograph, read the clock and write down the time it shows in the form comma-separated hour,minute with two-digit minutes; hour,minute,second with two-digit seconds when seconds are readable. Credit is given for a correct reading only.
3,44,25
